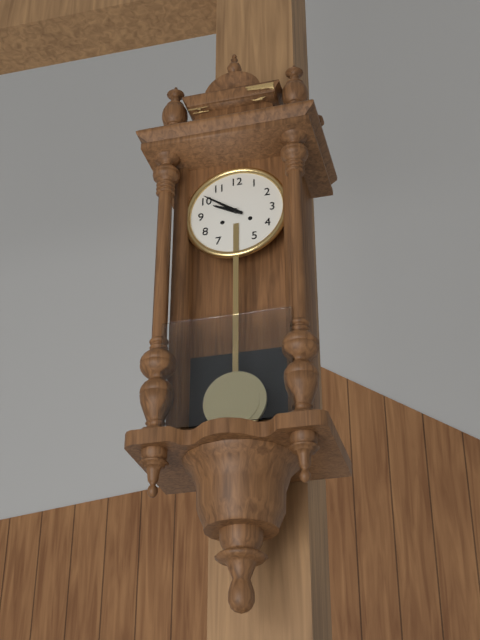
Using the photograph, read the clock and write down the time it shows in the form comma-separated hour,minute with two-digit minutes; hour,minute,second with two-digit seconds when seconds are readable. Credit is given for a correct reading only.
9,51
